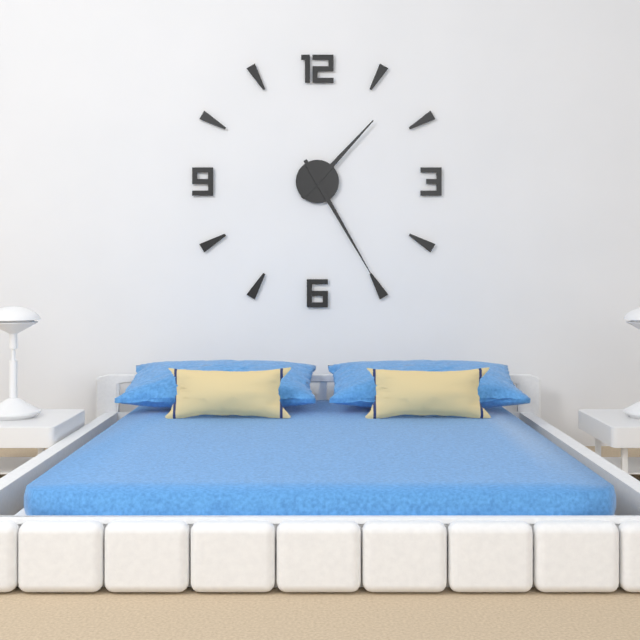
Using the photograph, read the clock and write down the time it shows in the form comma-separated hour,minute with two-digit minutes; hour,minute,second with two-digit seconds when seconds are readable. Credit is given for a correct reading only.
1,25
